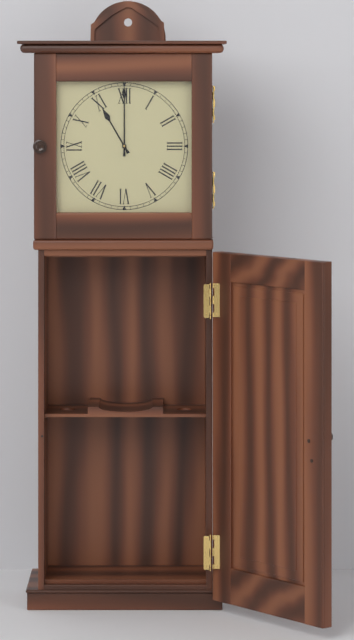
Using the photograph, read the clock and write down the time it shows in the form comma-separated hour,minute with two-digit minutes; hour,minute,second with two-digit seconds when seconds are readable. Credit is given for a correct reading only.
11,00
